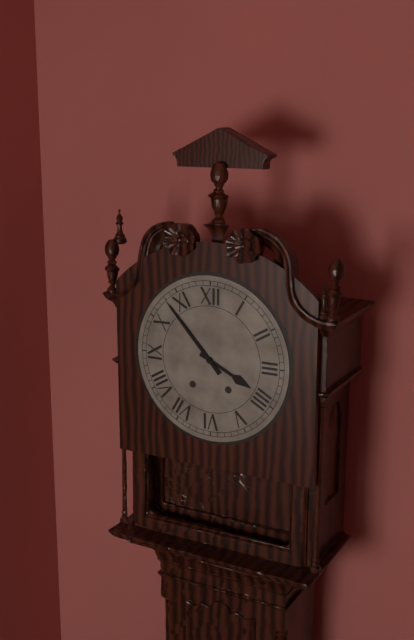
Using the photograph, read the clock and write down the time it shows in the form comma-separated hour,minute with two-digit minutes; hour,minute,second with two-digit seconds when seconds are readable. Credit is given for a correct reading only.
3,53
